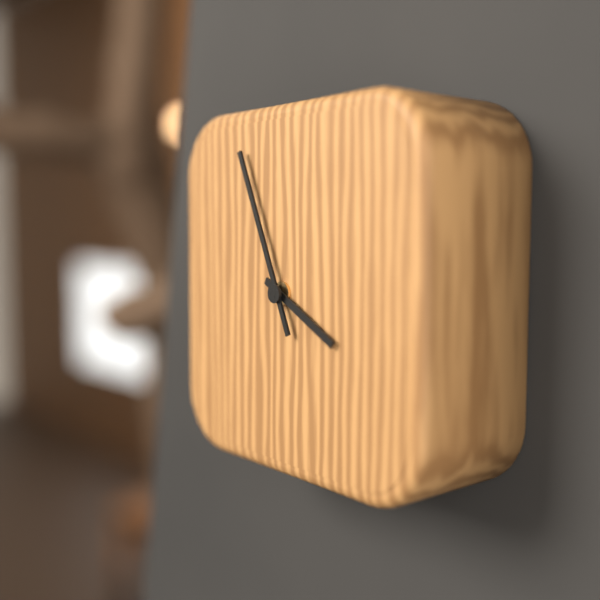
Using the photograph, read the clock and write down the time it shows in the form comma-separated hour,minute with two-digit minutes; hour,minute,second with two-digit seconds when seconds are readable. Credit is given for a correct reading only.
3,56
